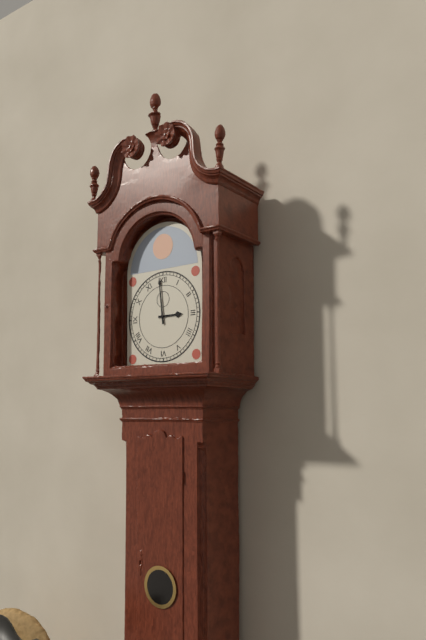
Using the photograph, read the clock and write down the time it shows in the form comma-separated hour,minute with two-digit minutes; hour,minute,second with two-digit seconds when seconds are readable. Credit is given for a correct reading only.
2,59
